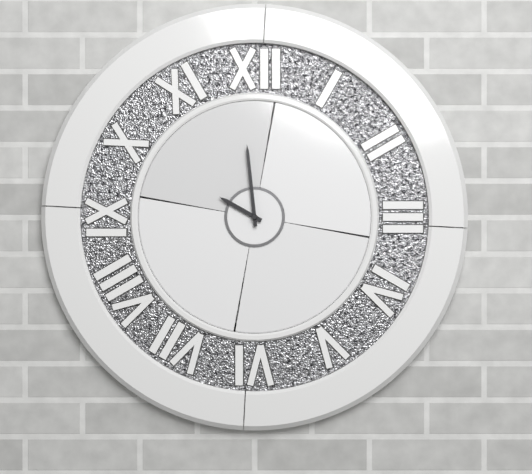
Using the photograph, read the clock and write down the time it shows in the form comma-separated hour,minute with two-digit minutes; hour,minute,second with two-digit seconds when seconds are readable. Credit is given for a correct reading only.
9,59
